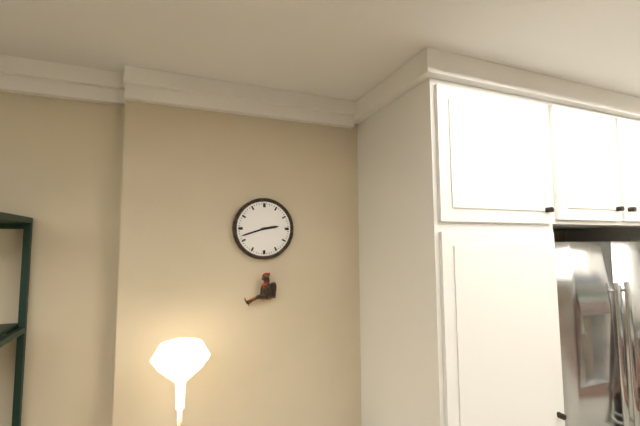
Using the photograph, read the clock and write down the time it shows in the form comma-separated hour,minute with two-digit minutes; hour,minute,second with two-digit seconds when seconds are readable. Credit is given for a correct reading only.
2,42
